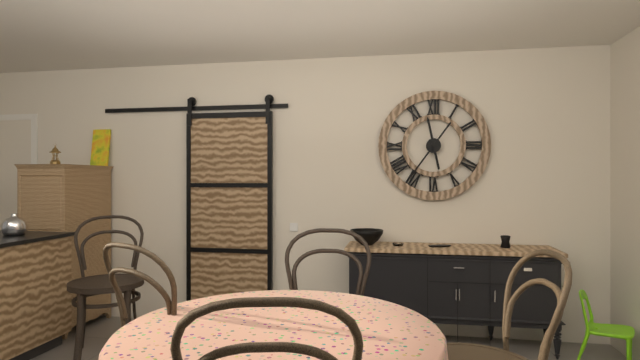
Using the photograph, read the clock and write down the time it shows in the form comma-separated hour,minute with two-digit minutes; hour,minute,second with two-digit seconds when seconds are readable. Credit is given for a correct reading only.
11,36
